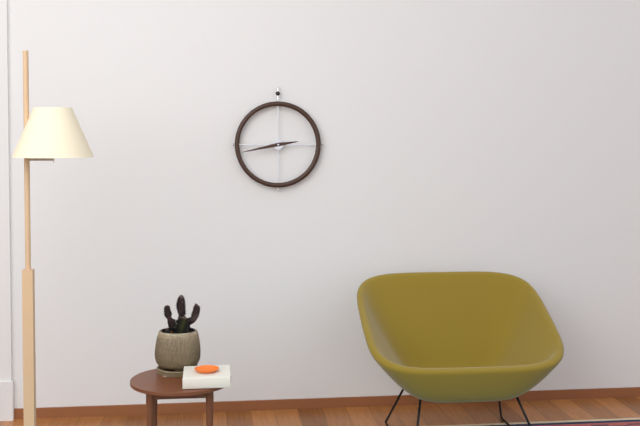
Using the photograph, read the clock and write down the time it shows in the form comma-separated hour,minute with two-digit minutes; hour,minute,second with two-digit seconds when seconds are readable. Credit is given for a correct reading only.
2,43
